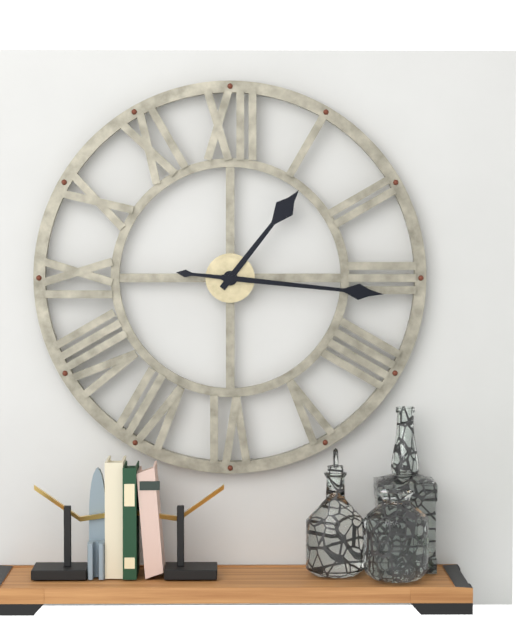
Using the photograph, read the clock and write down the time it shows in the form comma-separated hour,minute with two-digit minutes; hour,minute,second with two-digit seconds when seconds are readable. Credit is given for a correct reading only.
1,16
